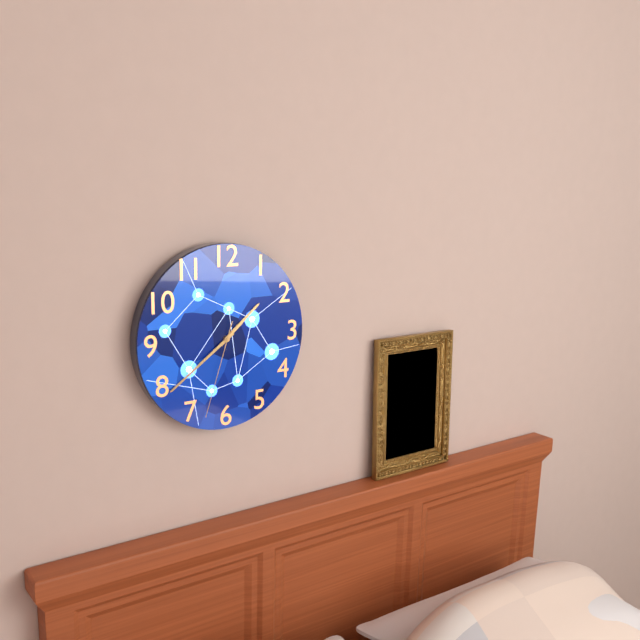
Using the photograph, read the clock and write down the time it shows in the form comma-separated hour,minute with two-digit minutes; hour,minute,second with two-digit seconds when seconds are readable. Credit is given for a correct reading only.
1,39,33
